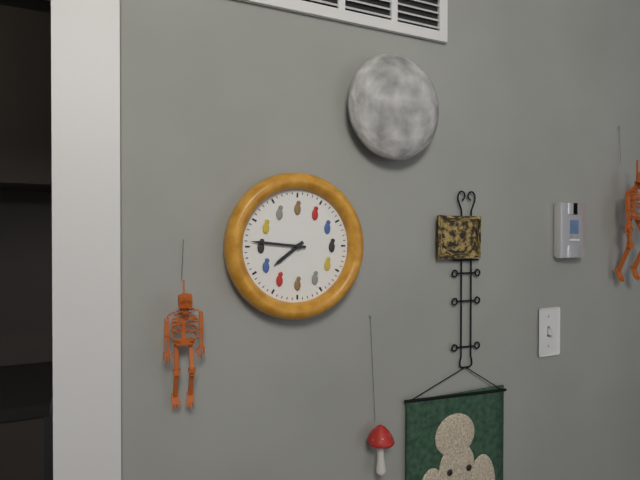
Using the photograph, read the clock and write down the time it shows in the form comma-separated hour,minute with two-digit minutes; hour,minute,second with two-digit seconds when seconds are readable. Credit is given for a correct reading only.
7,46
